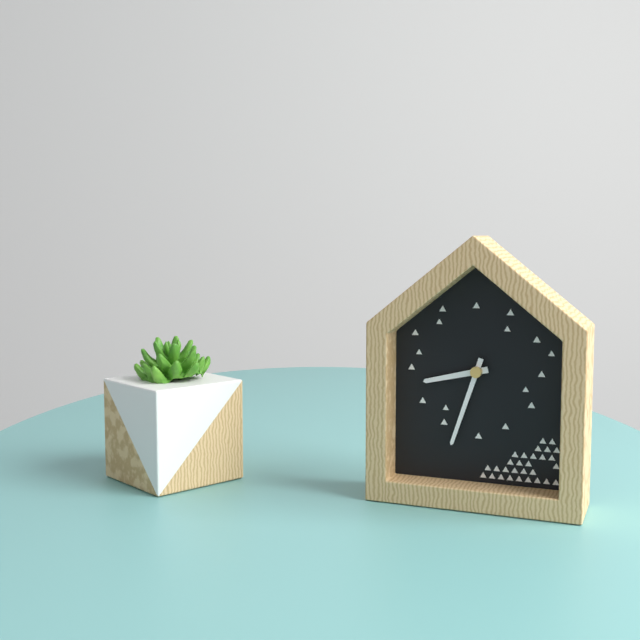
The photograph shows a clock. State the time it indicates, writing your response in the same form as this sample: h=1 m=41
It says h=8 m=33
